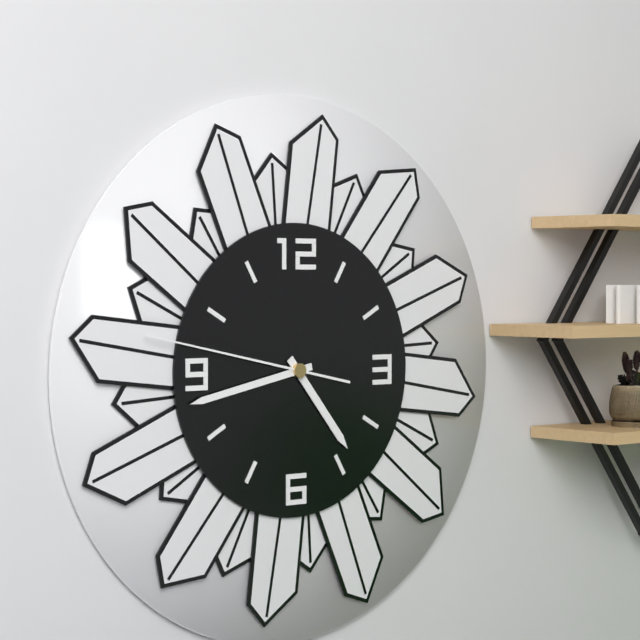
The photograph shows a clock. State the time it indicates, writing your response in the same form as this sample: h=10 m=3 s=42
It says h=4 m=43 s=47
